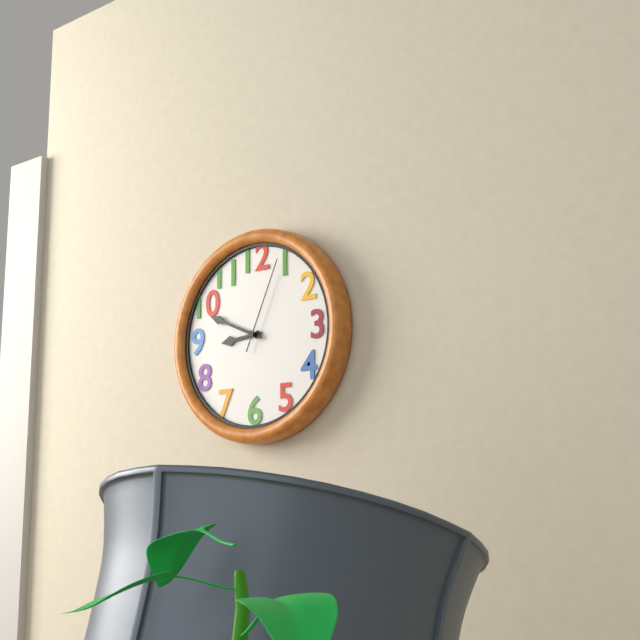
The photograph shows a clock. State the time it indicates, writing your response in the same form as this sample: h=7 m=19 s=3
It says h=8 m=49 s=4
